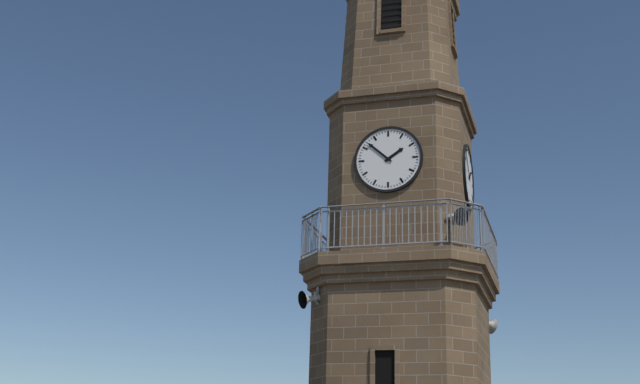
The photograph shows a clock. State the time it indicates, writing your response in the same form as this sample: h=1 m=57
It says h=1 m=52
